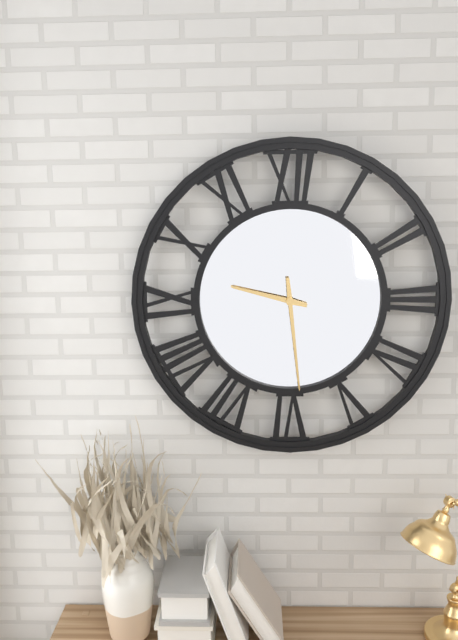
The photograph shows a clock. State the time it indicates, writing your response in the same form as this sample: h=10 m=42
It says h=9 m=29
